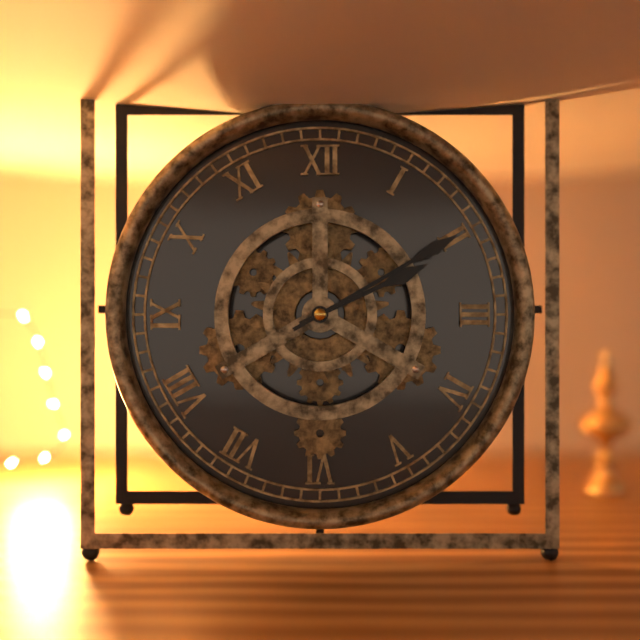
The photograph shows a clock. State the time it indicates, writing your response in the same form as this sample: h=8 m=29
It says h=2 m=10
